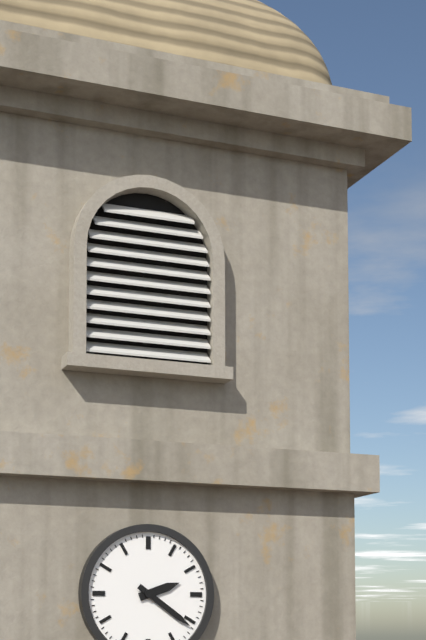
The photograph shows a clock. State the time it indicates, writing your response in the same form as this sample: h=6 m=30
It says h=2 m=21
